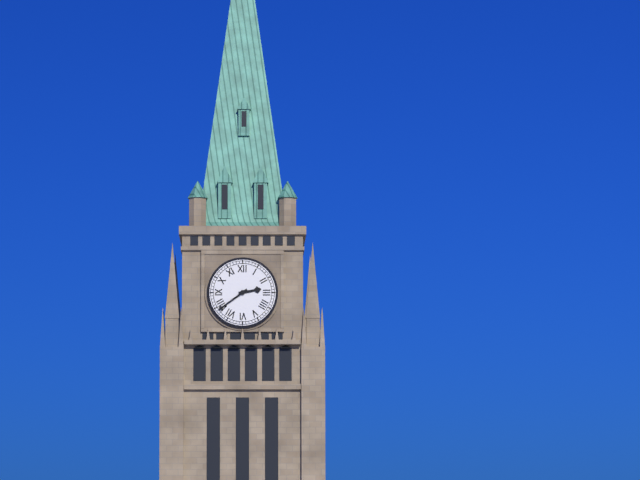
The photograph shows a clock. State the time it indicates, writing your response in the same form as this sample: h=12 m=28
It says h=2 m=39
